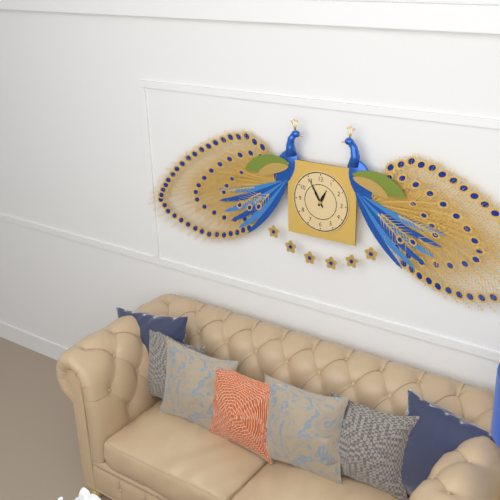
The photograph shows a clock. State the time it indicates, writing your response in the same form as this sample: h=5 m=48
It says h=12 m=55
